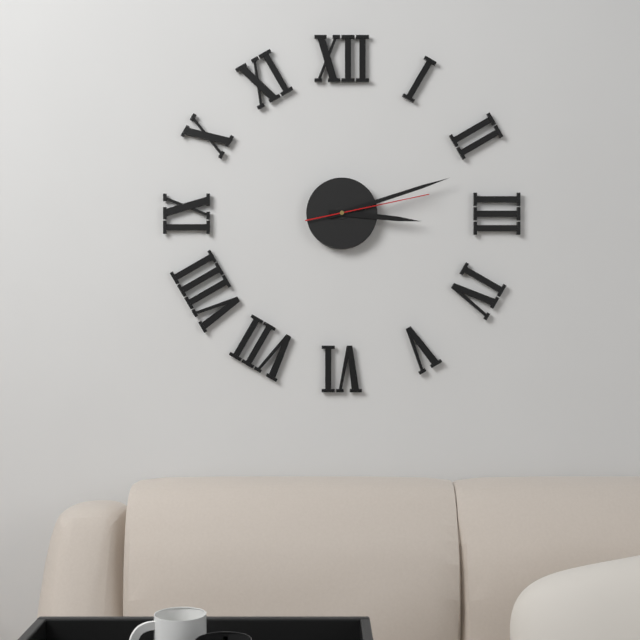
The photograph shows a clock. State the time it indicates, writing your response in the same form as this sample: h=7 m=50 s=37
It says h=3 m=12 s=13
